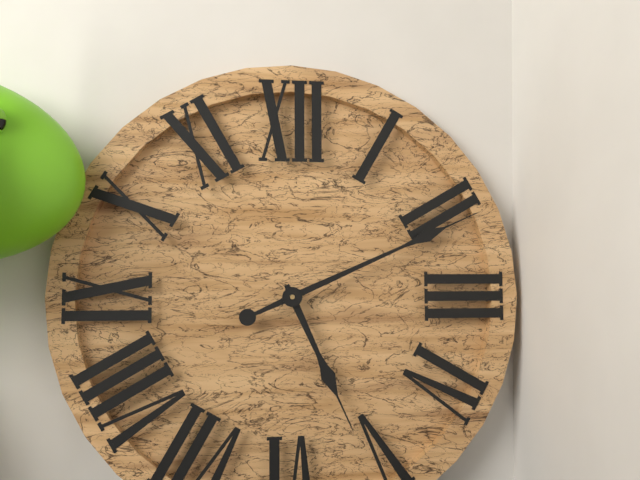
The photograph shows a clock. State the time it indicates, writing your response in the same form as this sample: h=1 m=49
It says h=5 m=11
